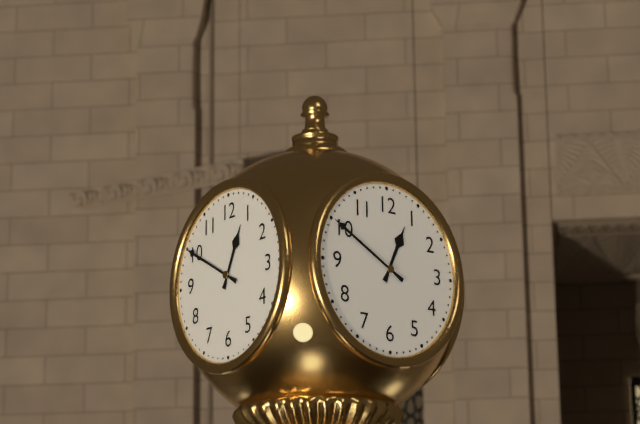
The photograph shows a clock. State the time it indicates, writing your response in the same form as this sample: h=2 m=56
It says h=12 m=50
